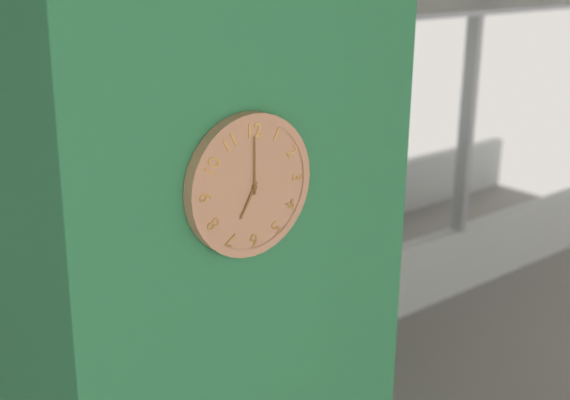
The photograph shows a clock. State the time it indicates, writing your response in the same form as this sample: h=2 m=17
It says h=7 m=0
